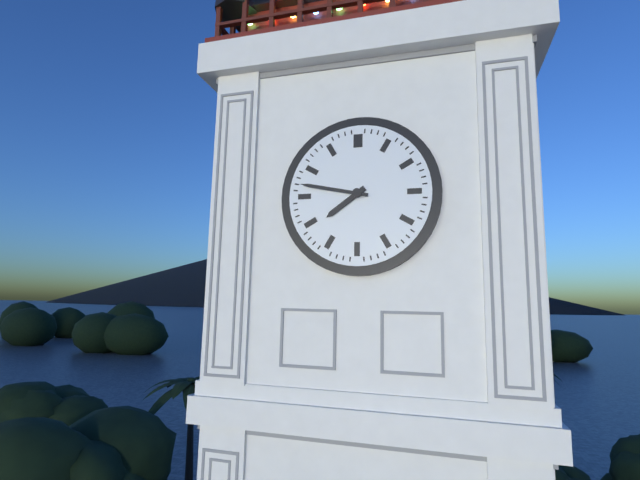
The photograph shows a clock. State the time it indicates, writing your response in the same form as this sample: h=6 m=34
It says h=7 m=47
